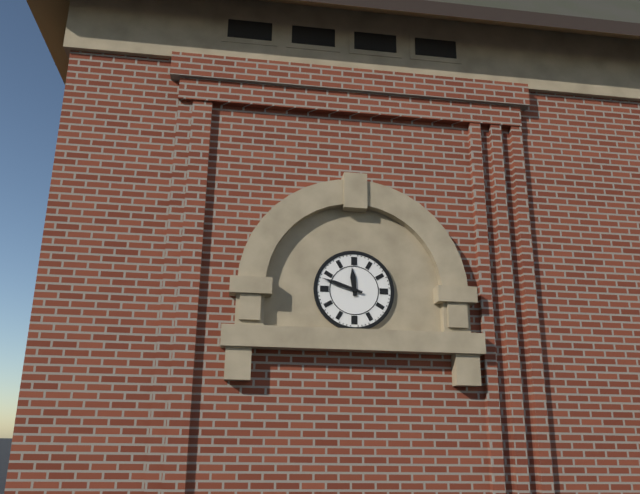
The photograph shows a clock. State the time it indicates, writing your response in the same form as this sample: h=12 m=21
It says h=11 m=48
